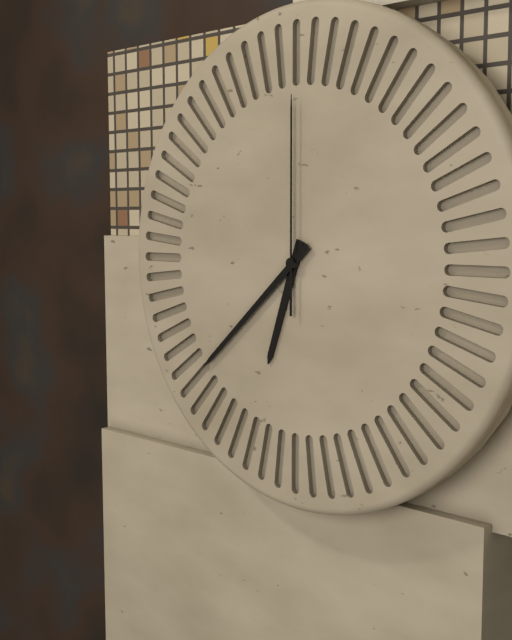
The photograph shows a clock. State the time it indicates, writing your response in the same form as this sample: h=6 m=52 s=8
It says h=6 m=38 s=0
